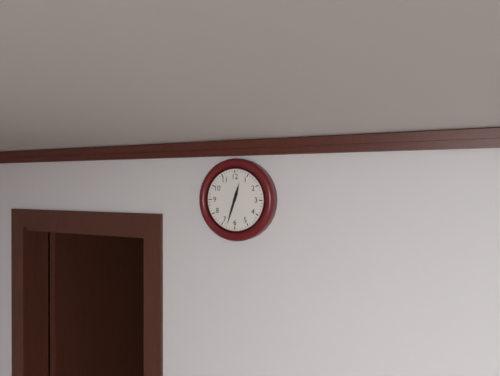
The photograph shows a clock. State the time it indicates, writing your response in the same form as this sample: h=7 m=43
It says h=12 m=33
